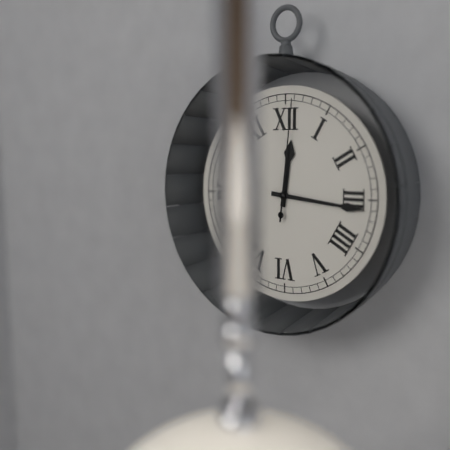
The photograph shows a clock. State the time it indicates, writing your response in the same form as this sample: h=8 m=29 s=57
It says h=12 m=16 s=1
